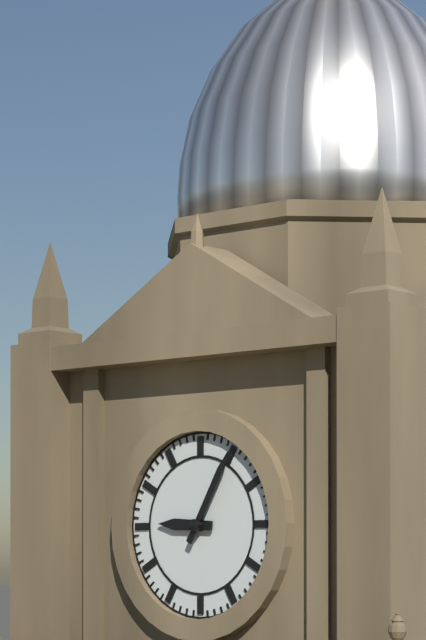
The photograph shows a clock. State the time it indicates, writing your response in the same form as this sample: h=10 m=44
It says h=9 m=5
